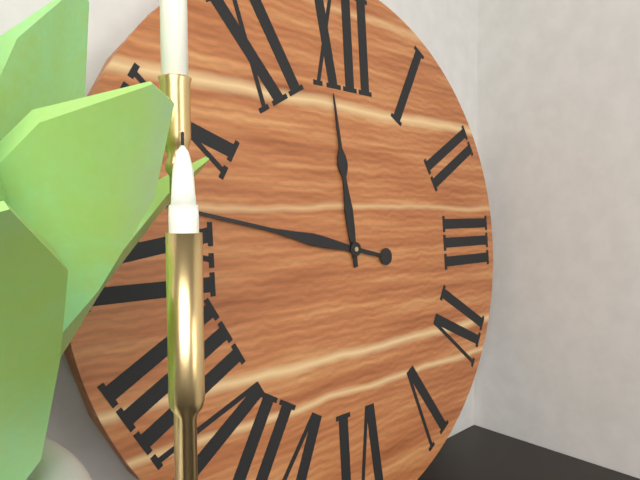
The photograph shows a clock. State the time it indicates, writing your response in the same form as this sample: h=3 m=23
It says h=11 m=47
